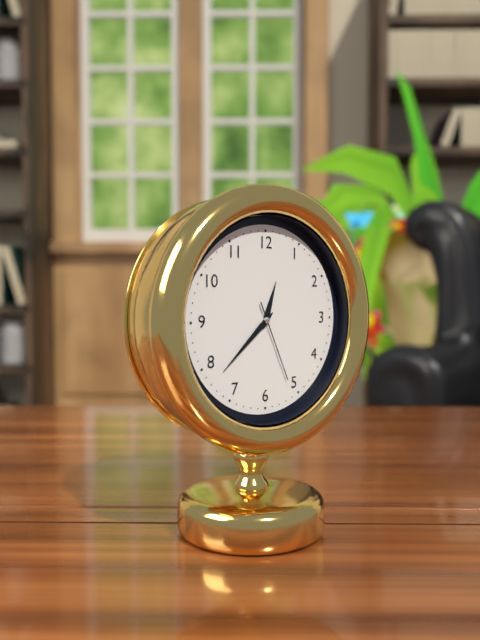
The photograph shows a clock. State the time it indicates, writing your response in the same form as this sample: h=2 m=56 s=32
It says h=12 m=38 s=26
